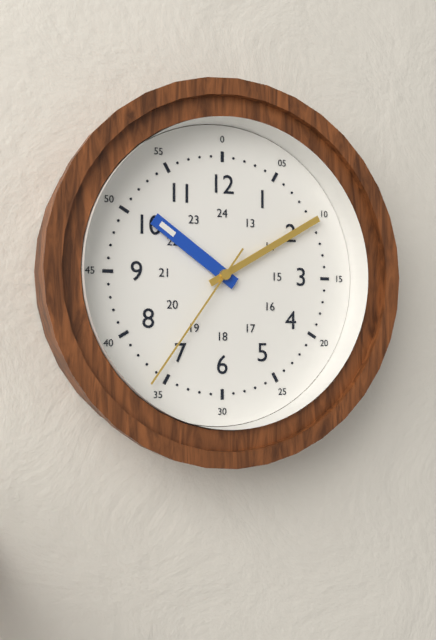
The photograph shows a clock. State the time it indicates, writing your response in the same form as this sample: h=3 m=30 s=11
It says h=10 m=10 s=36
